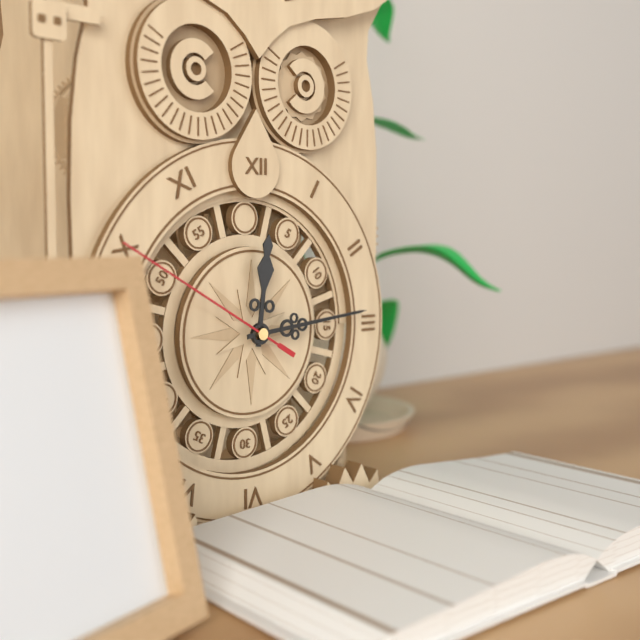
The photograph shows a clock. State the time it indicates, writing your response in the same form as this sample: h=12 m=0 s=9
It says h=12 m=14 s=50
